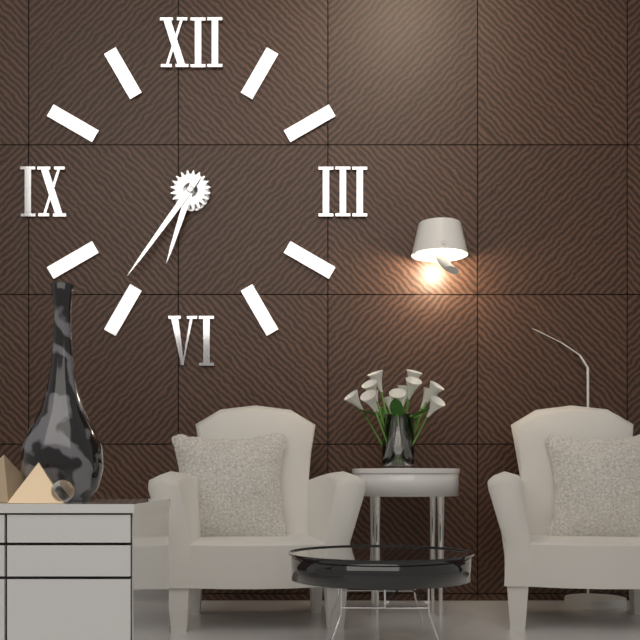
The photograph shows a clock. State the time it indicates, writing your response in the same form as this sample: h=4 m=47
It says h=6 m=36
